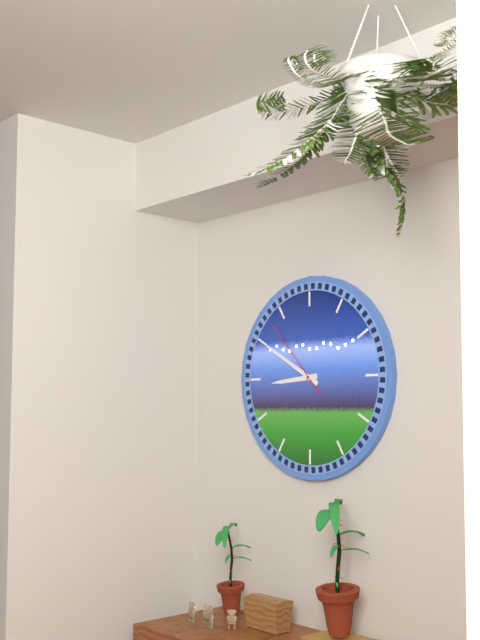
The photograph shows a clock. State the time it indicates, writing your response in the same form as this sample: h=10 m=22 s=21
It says h=8 m=50 s=53
